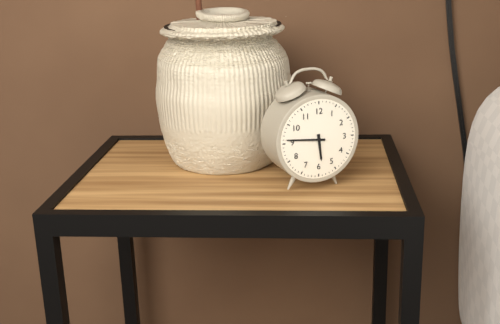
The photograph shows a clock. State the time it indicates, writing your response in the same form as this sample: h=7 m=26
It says h=5 m=46
